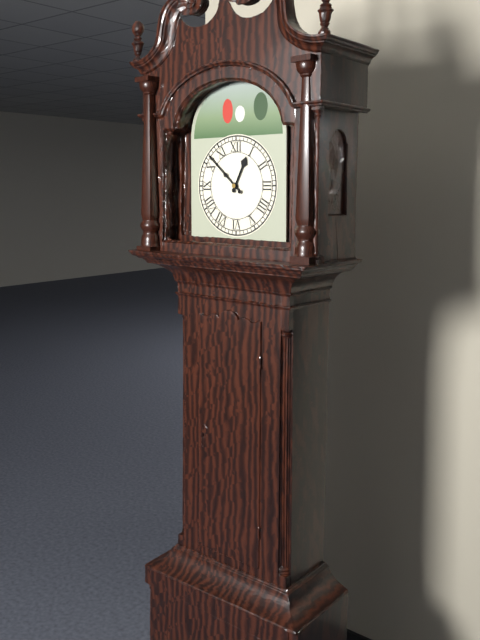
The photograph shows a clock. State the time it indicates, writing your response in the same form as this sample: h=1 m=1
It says h=12 m=52
